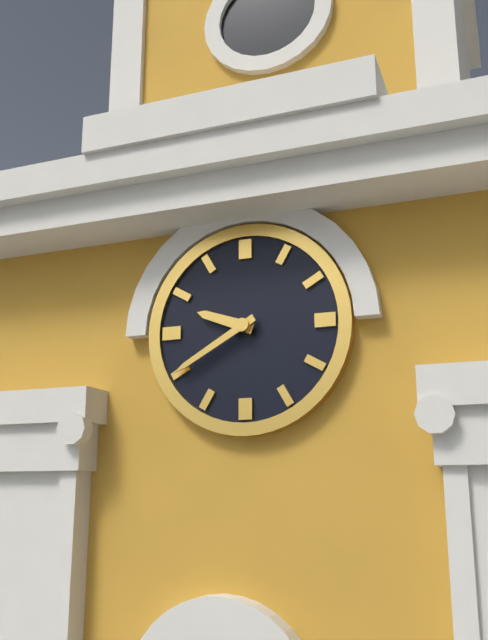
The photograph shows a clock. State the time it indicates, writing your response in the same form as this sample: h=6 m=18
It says h=9 m=40
